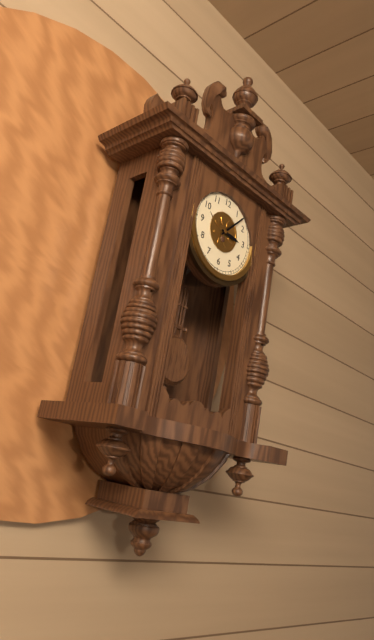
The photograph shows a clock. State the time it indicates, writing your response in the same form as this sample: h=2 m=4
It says h=3 m=7
